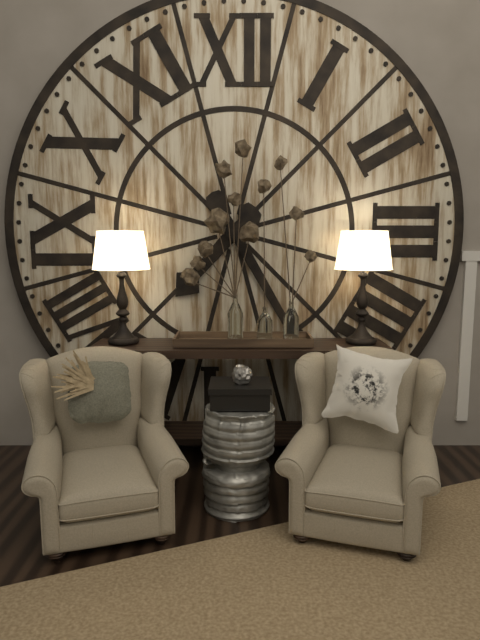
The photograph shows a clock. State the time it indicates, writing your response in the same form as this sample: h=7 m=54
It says h=7 m=25
